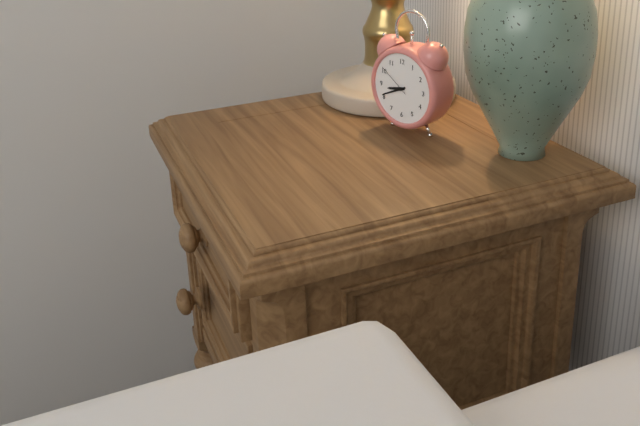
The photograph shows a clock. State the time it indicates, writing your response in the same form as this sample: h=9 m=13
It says h=8 m=41
